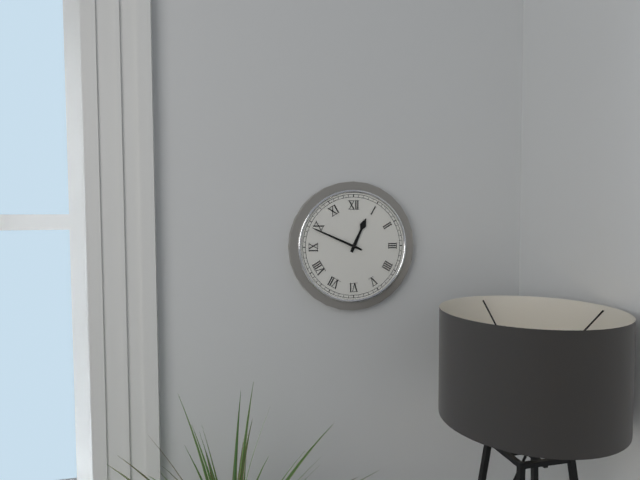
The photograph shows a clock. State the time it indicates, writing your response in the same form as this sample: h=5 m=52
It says h=12 m=49
